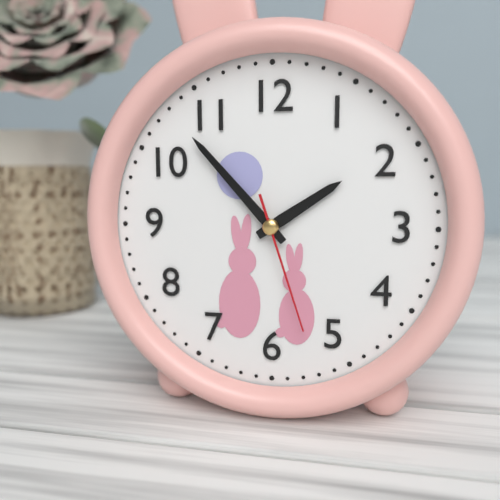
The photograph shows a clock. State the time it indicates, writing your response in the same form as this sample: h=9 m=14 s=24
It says h=1 m=53 s=27
